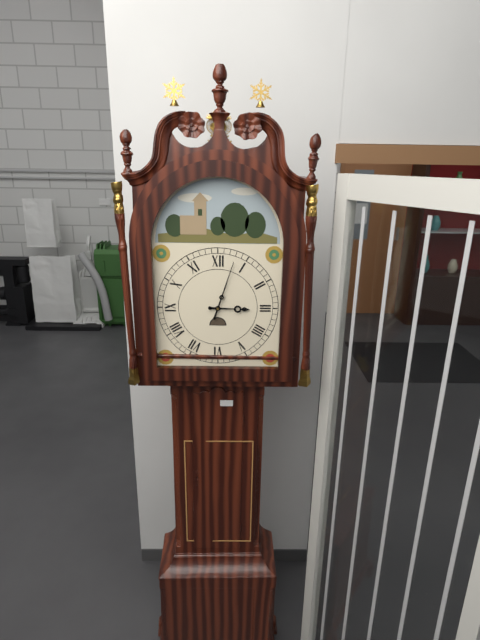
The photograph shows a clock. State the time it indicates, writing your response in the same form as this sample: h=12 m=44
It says h=3 m=3
